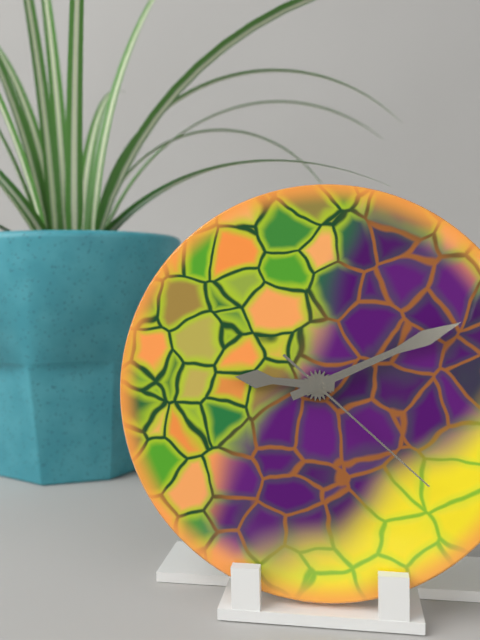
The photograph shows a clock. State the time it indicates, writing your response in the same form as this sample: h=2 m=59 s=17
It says h=9 m=11 s=22
